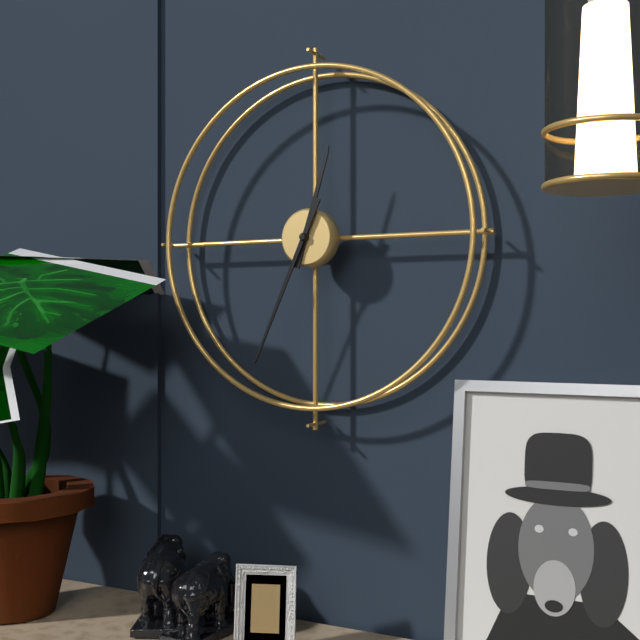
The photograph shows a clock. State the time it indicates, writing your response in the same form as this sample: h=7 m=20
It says h=12 m=34
